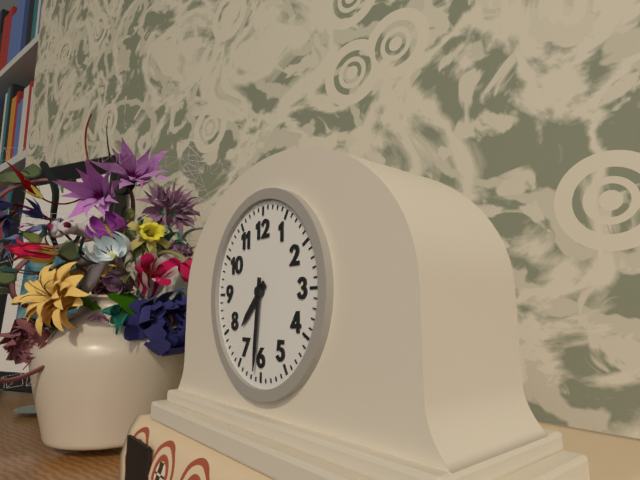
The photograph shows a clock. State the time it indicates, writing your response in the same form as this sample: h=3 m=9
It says h=7 m=31
